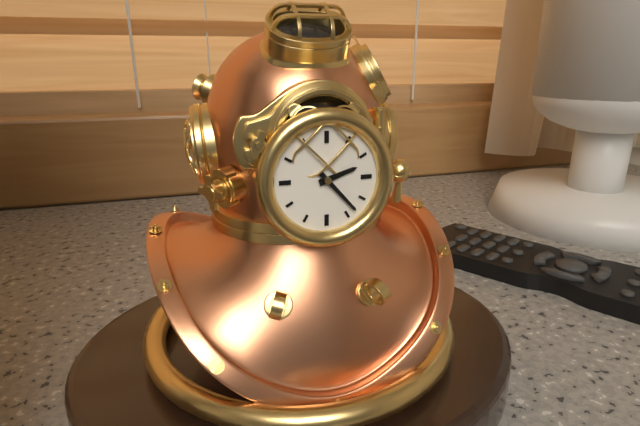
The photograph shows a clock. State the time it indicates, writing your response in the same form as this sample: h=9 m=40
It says h=2 m=23
